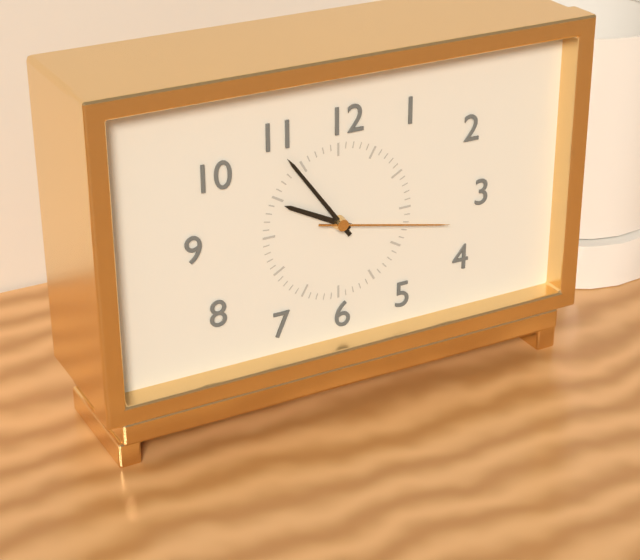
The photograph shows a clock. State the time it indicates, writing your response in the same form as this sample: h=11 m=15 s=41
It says h=9 m=54 s=17
